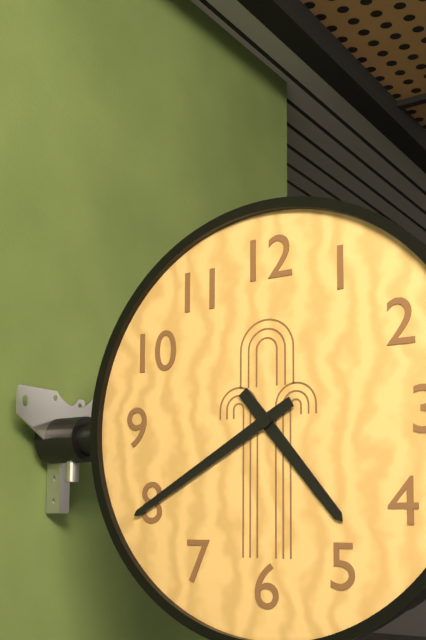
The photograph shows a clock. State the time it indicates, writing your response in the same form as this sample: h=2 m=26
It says h=4 m=40
